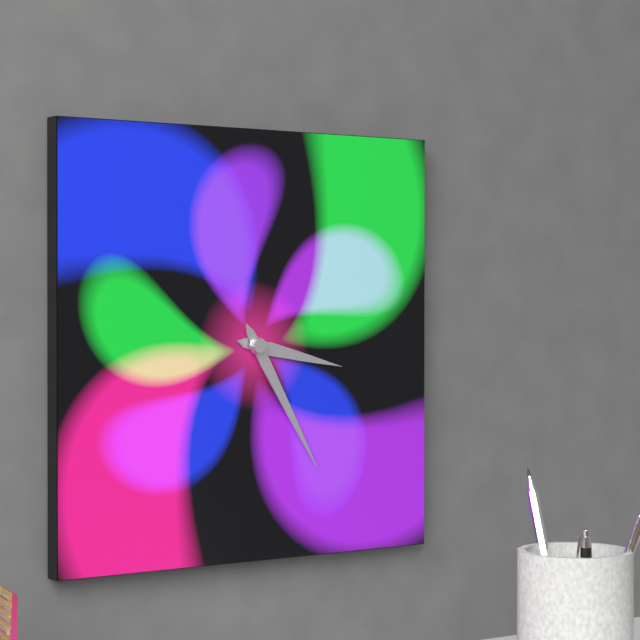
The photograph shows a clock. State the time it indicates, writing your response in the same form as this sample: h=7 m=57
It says h=3 m=25
